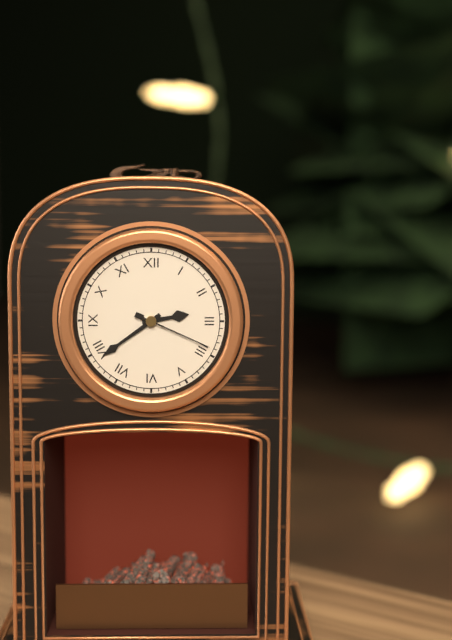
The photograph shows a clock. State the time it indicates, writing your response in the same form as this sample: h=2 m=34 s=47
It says h=2 m=39 s=19
